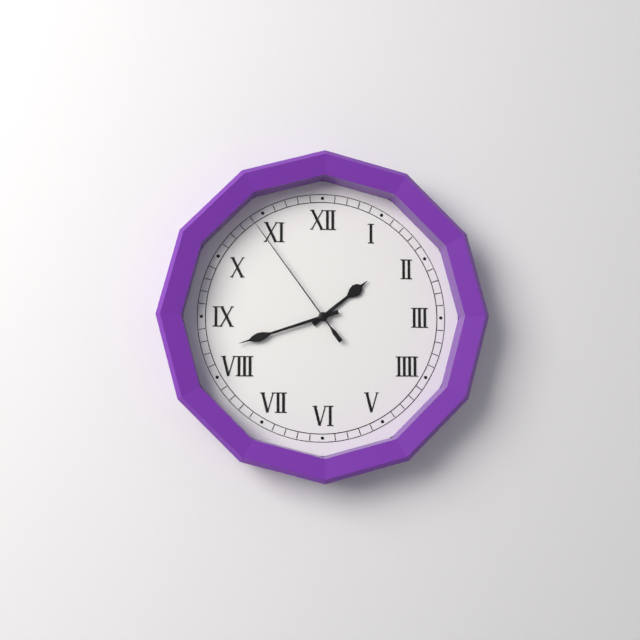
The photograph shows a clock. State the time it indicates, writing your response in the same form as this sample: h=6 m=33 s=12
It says h=1 m=42 s=54
